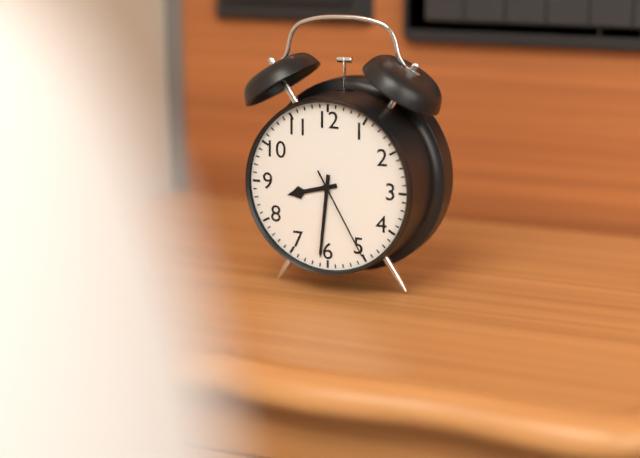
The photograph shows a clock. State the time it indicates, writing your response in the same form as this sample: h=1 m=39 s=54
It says h=8 m=31 s=25
